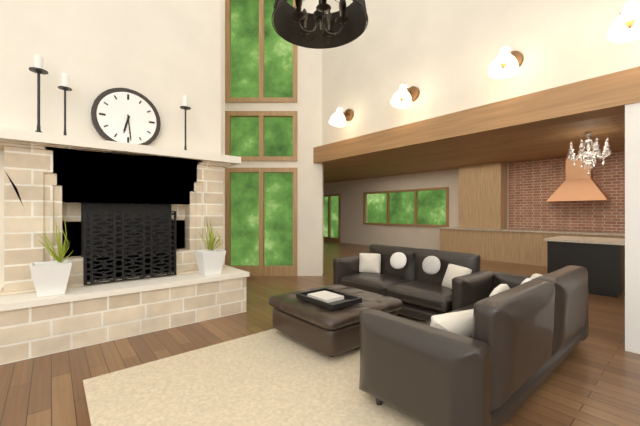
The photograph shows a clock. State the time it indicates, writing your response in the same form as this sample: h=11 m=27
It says h=6 m=29
